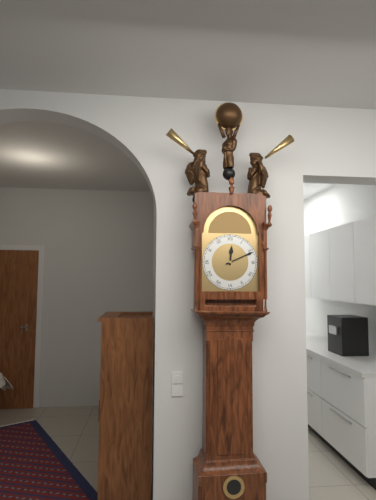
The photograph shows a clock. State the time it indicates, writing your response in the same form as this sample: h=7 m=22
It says h=12 m=11
